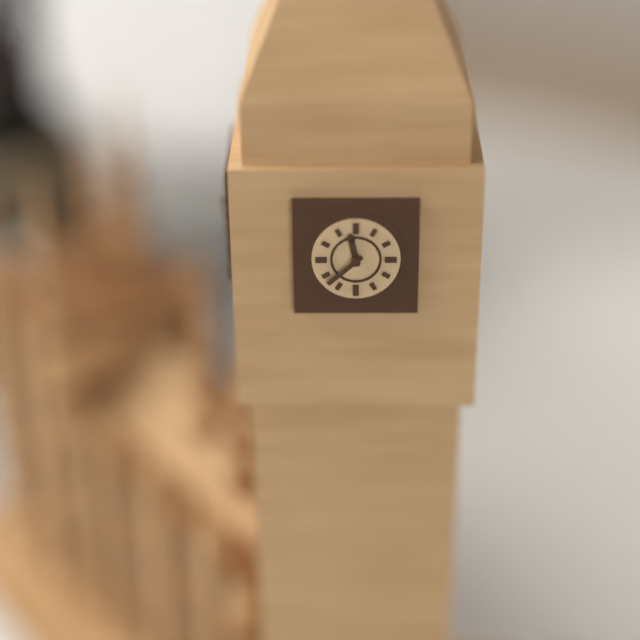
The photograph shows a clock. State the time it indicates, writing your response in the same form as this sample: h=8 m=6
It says h=11 m=38
